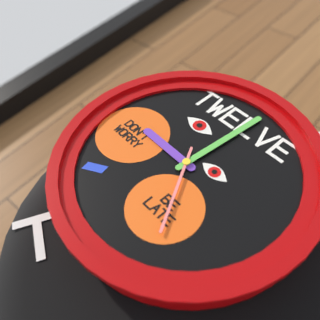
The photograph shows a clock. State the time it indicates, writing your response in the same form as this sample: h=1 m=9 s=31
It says h=9 m=1 s=25
